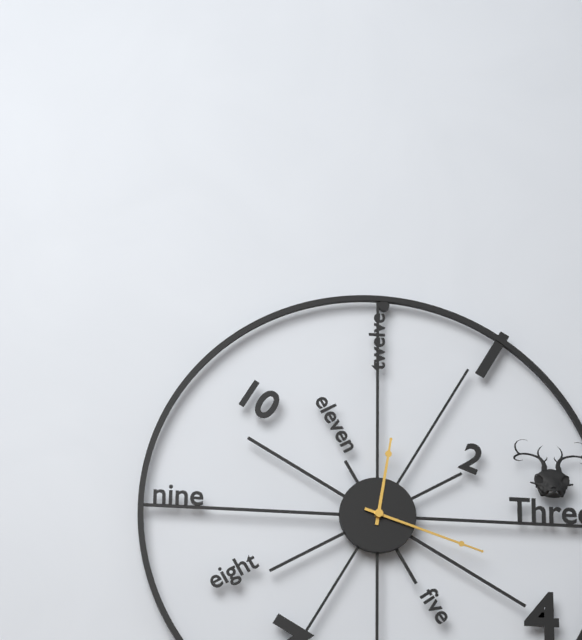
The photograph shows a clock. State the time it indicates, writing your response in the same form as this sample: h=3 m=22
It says h=12 m=18
